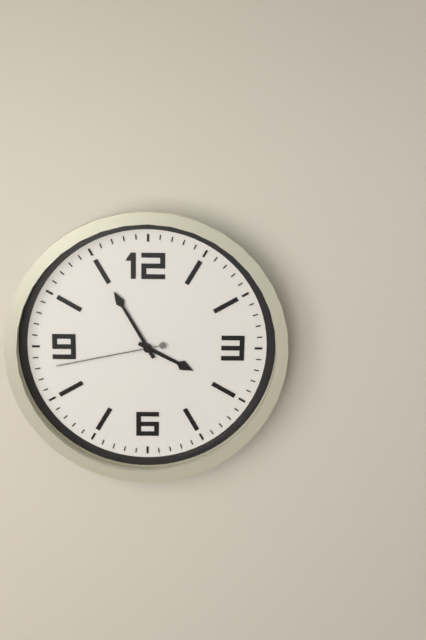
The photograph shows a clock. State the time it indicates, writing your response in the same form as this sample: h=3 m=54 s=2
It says h=3 m=55 s=43
